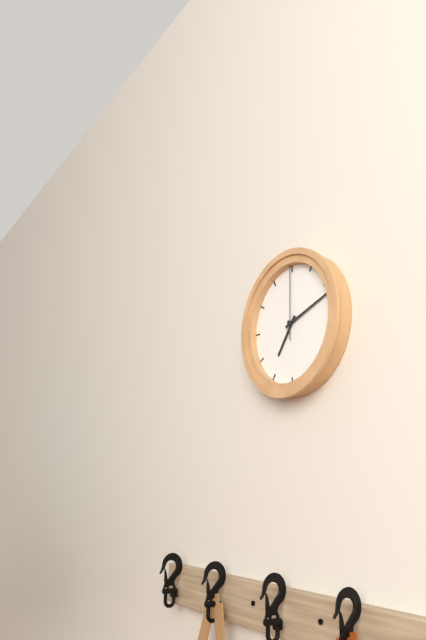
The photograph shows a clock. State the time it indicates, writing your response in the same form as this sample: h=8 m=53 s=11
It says h=7 m=12 s=0
